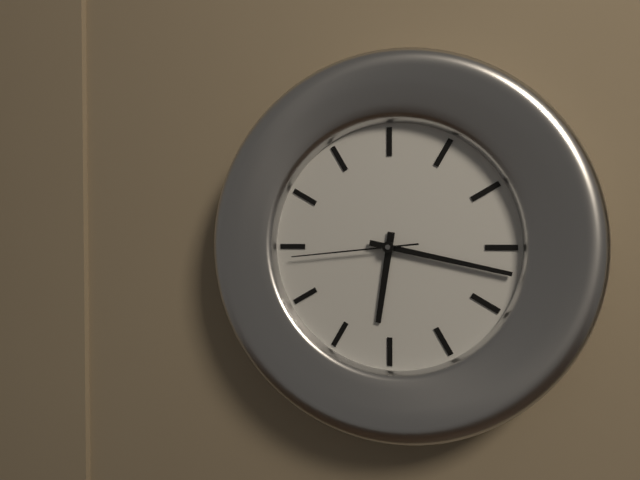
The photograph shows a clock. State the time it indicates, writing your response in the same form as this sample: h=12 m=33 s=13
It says h=6 m=17 s=44
